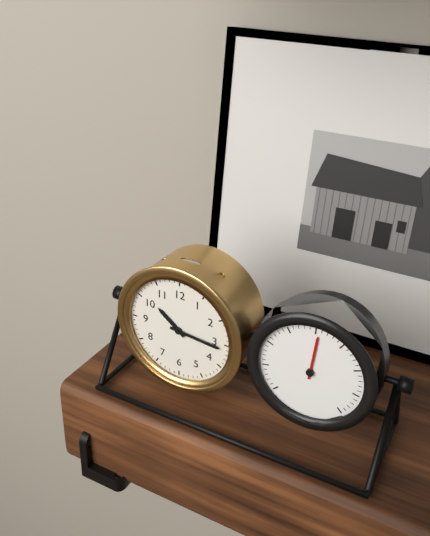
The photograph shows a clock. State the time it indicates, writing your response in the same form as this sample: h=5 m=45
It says h=10 m=16
